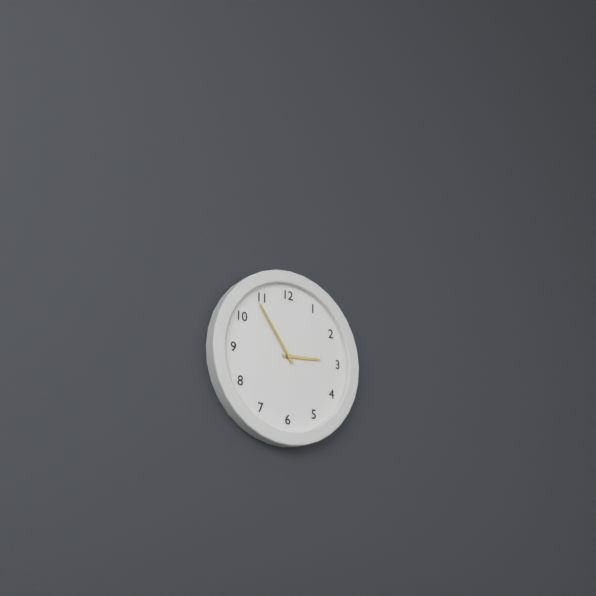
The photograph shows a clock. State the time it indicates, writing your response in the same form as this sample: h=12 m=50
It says h=2 m=54
